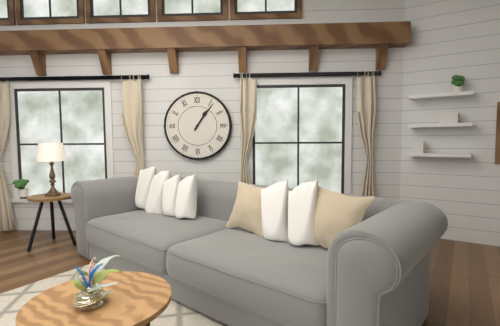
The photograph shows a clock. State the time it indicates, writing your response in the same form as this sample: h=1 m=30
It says h=1 m=6
